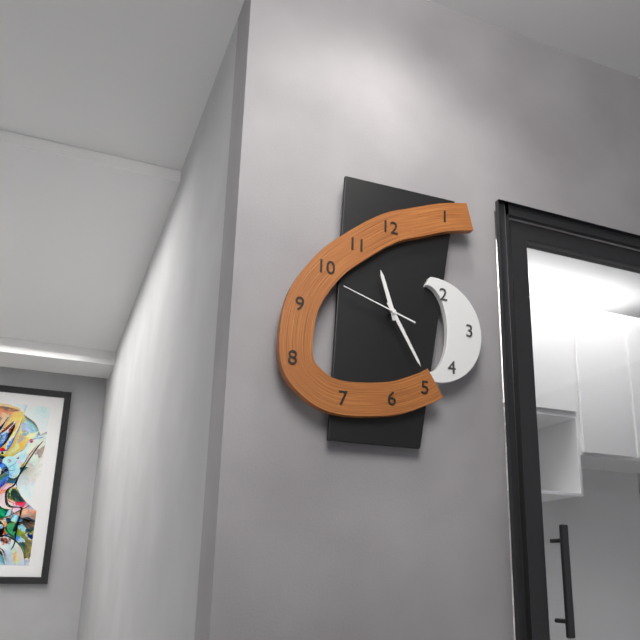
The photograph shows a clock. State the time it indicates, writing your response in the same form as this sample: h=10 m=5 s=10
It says h=11 m=25 s=48
